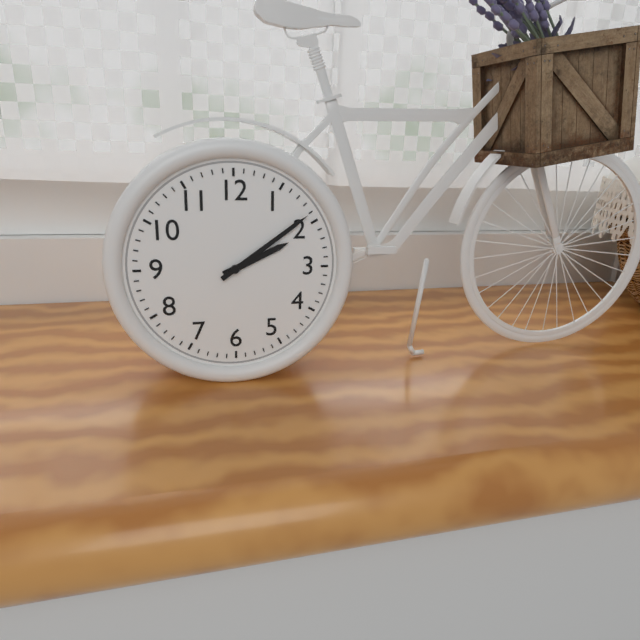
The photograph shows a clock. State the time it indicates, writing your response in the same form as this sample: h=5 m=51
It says h=2 m=9
